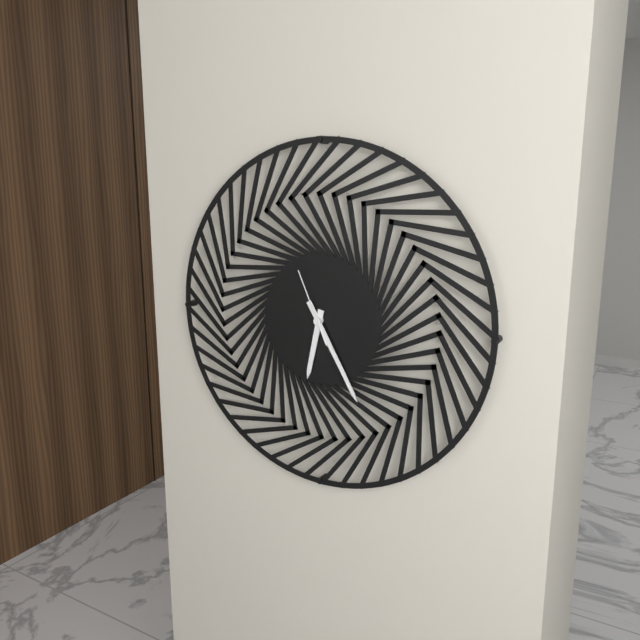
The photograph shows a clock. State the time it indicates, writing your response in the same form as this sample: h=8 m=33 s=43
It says h=6 m=25 s=56
